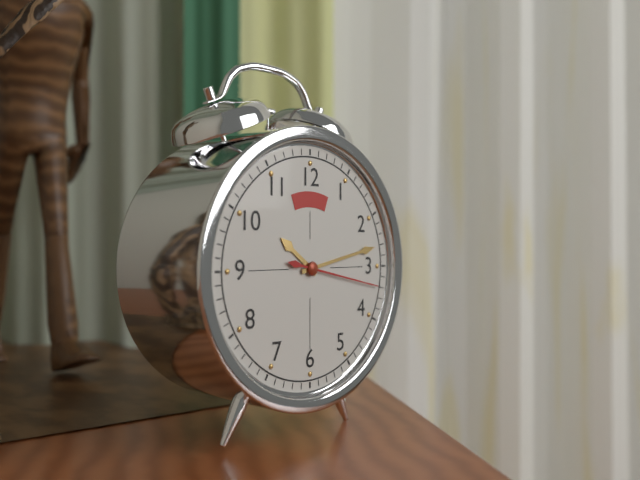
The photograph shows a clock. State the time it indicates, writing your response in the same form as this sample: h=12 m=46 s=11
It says h=10 m=13 s=17
